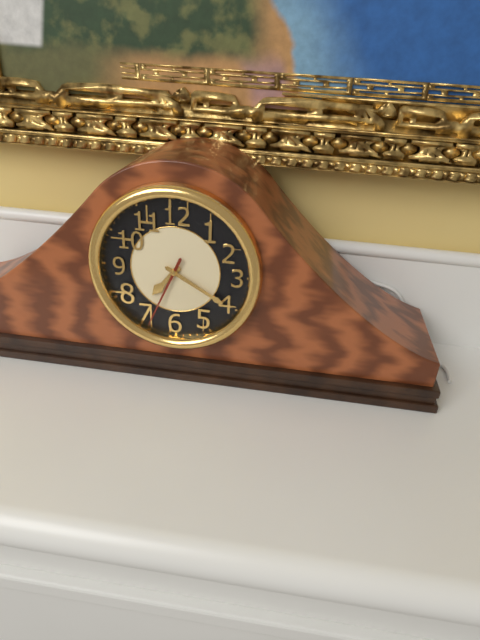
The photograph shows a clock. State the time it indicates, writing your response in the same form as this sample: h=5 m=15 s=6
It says h=7 m=20 s=34
